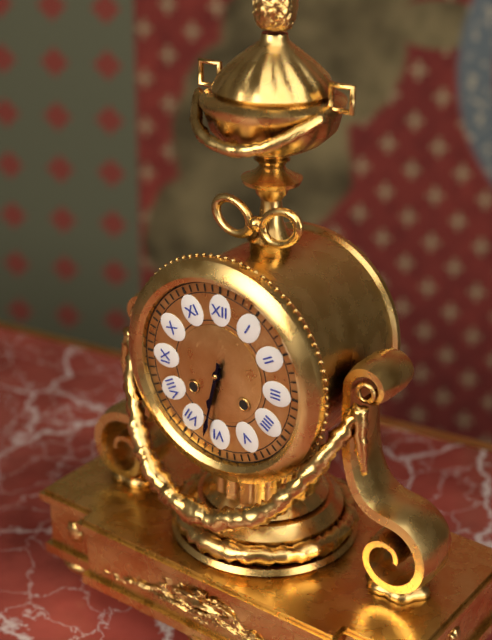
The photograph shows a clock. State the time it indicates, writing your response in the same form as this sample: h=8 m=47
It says h=6 m=32
